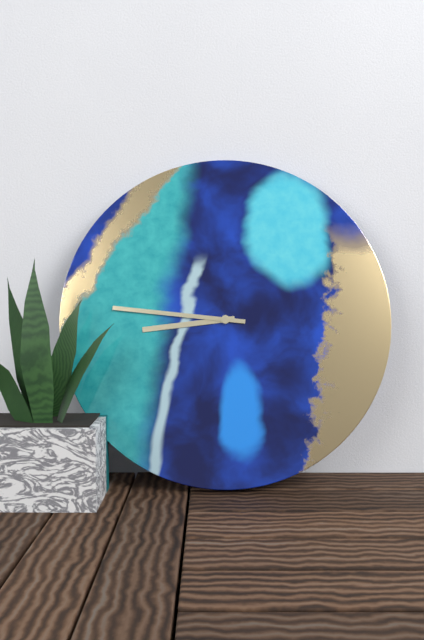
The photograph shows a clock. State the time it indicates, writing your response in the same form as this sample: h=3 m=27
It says h=8 m=46
